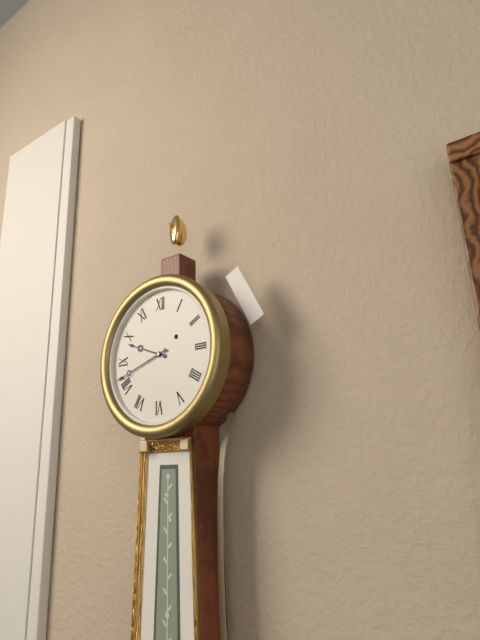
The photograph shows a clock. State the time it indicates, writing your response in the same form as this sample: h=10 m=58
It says h=9 m=42
